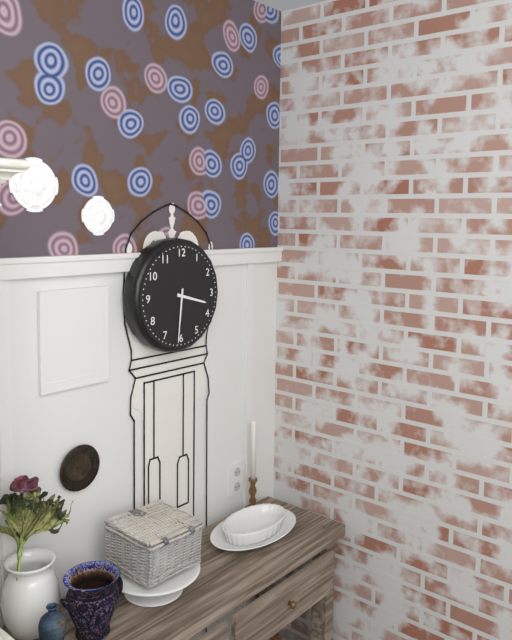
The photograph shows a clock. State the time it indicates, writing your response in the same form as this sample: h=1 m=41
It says h=3 m=31
